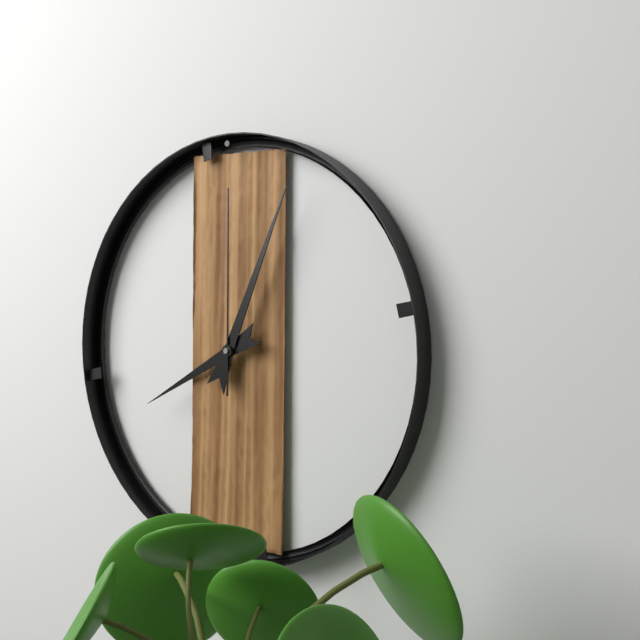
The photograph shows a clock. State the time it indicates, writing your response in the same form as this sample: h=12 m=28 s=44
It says h=8 m=4 s=0
